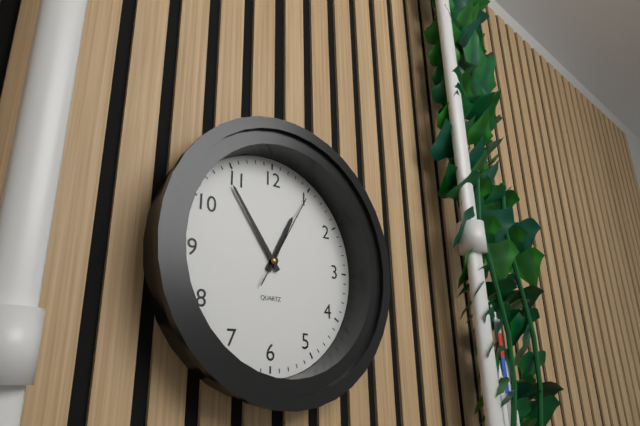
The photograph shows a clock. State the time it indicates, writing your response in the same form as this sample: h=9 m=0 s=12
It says h=12 m=54 s=5
